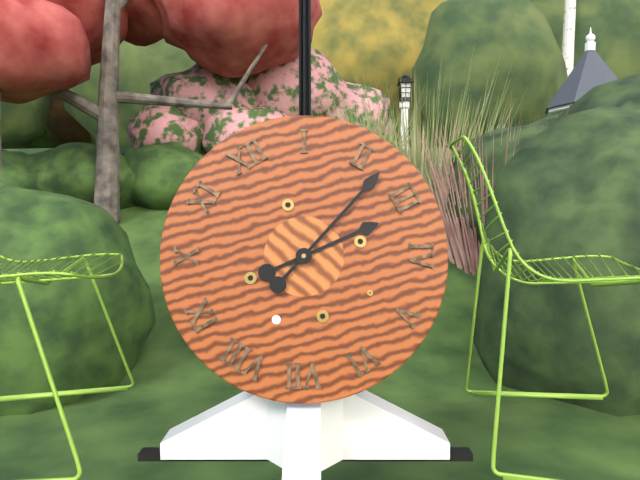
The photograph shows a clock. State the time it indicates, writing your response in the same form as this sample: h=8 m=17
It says h=3 m=12
